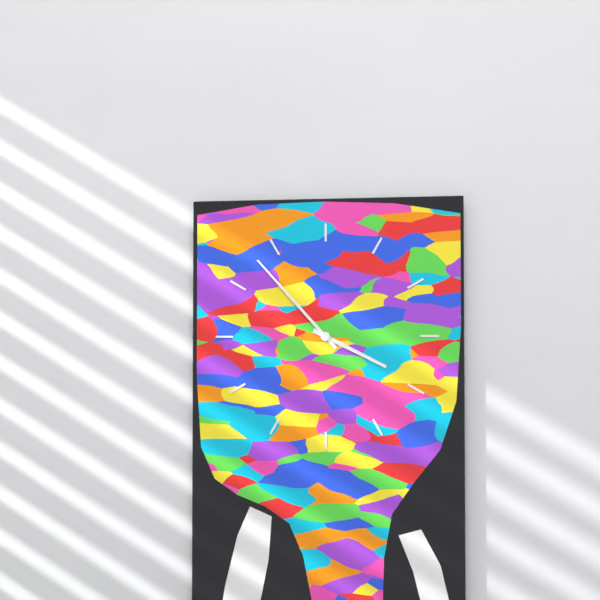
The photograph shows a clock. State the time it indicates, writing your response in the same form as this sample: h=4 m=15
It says h=3 m=53
